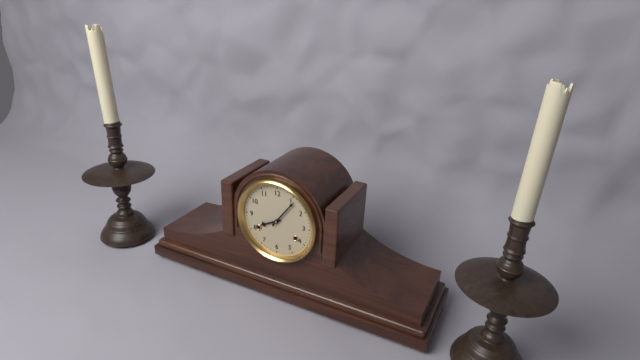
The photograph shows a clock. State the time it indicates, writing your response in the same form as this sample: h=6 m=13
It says h=8 m=6
